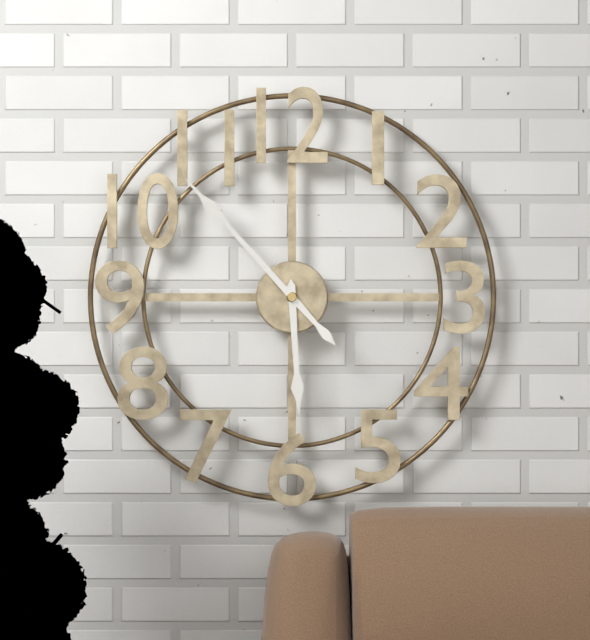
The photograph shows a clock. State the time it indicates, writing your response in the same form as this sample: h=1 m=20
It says h=5 m=53
